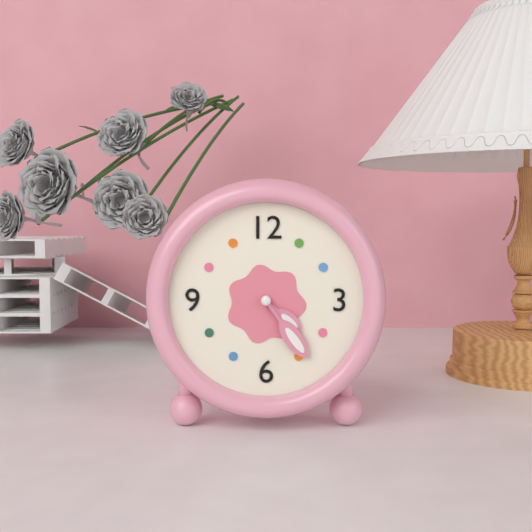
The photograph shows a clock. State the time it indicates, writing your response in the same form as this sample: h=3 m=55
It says h=4 m=24
